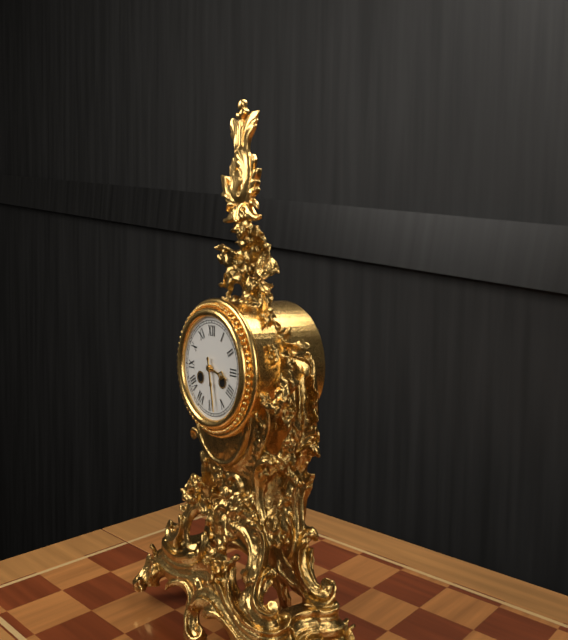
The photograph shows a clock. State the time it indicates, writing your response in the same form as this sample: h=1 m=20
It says h=3 m=28
